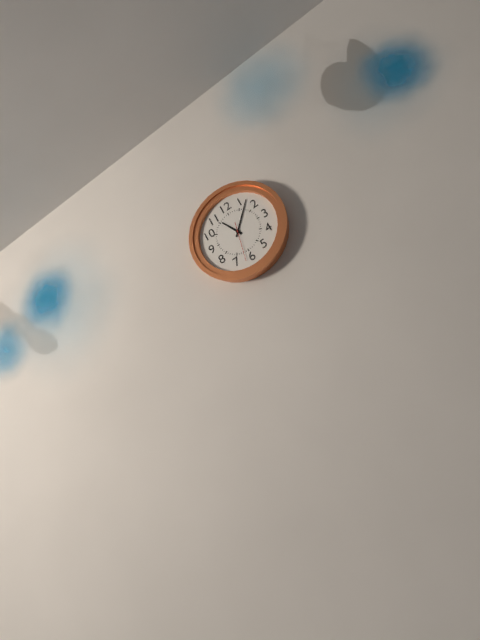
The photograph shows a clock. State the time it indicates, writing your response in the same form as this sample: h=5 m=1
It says h=11 m=7
